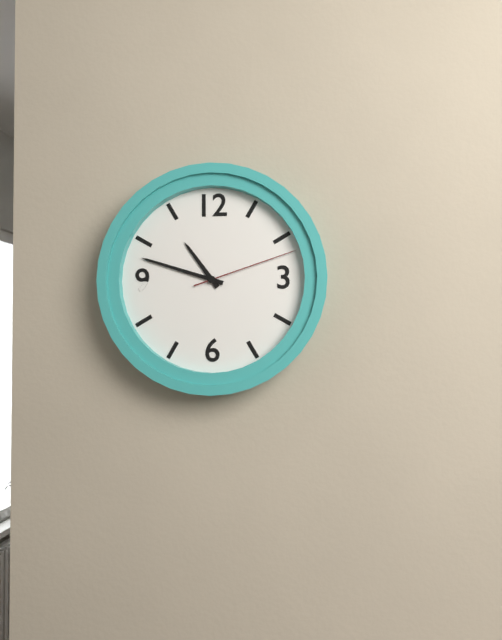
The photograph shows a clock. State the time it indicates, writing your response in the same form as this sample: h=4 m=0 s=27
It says h=10 m=48 s=12
